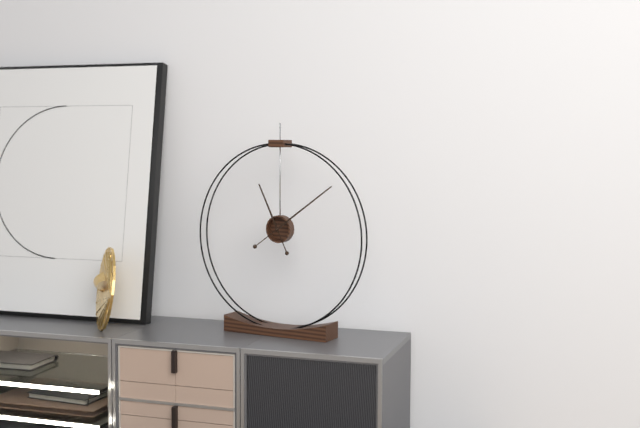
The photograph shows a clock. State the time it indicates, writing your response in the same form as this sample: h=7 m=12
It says h=11 m=9
